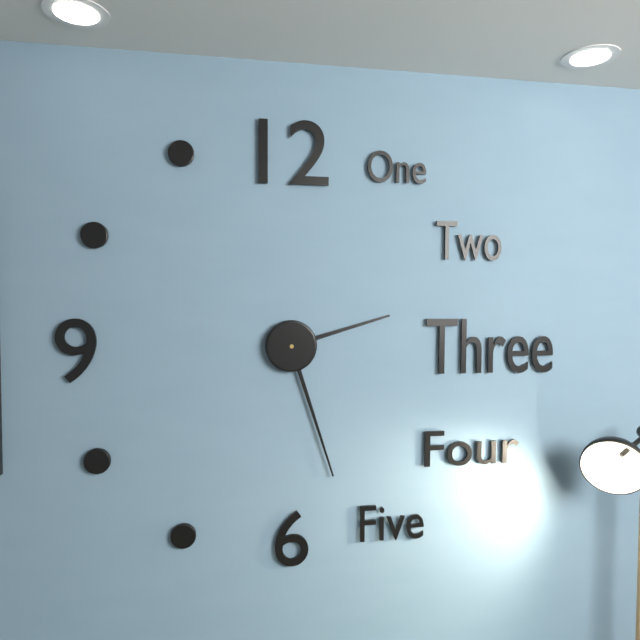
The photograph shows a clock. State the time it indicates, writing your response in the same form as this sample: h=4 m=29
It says h=2 m=27
